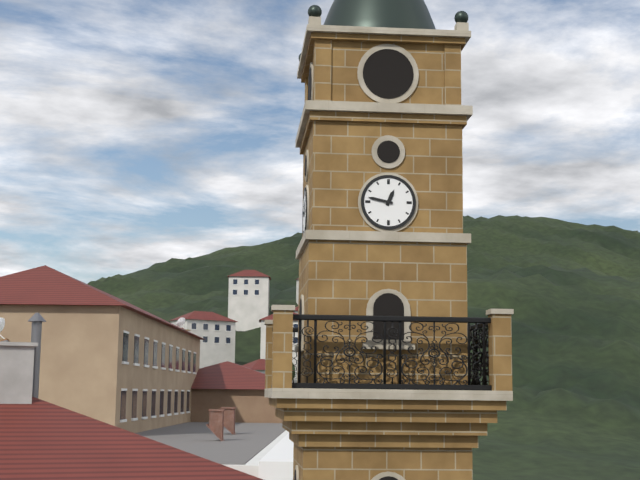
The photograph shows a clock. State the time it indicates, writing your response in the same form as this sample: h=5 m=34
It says h=12 m=47
